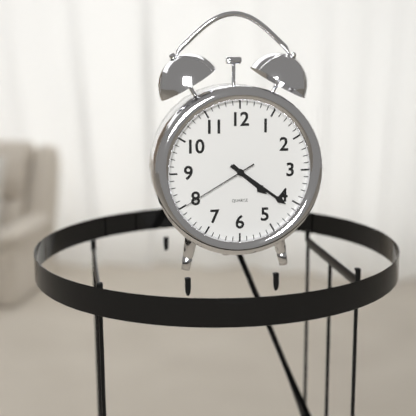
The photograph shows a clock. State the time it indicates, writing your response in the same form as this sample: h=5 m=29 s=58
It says h=4 m=21 s=40
